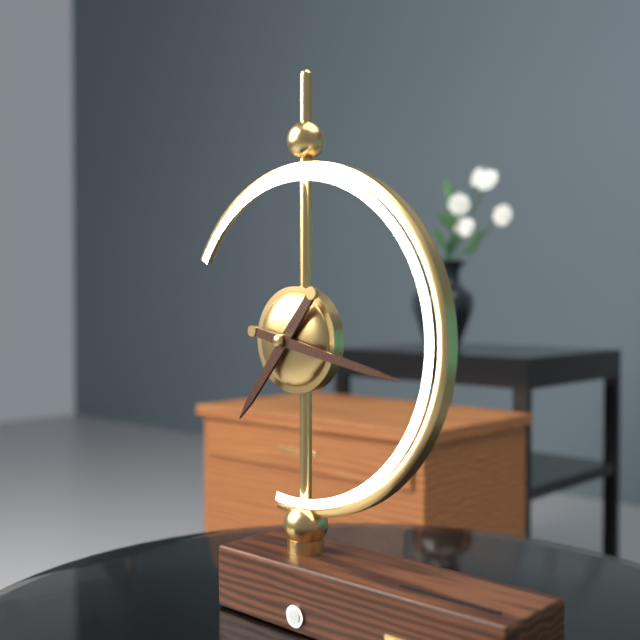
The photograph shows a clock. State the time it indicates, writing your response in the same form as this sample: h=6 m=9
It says h=7 m=17
